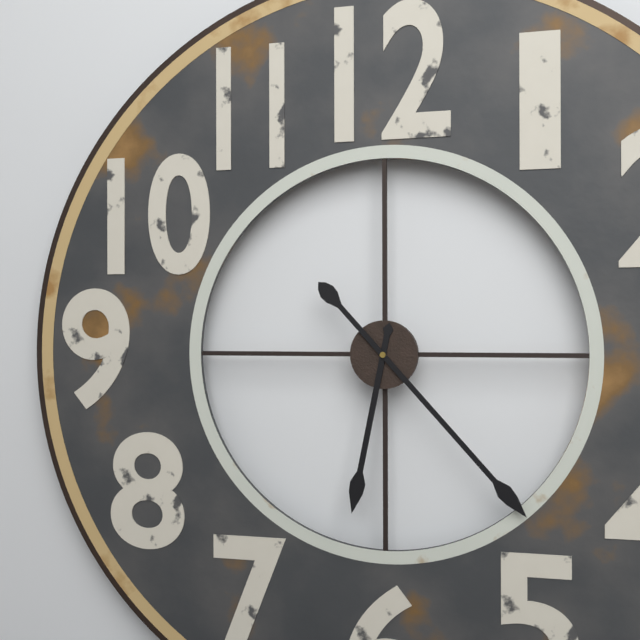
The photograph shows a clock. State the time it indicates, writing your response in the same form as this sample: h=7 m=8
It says h=6 m=23
